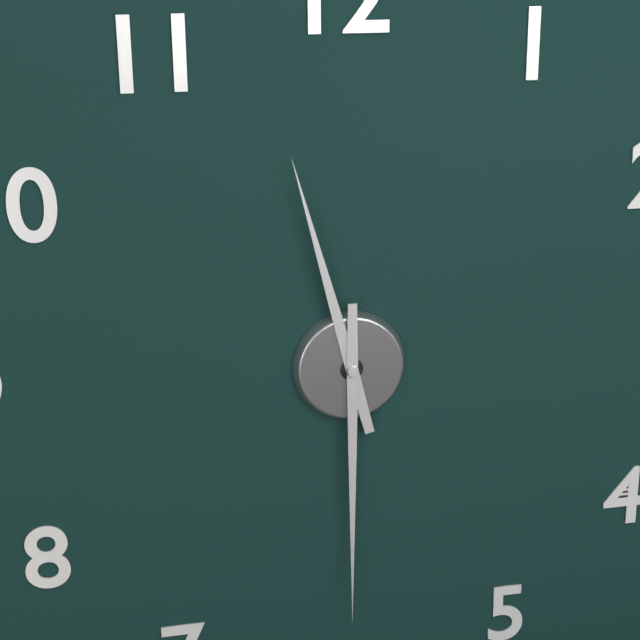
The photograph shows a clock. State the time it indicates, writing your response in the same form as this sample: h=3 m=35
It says h=11 m=30
